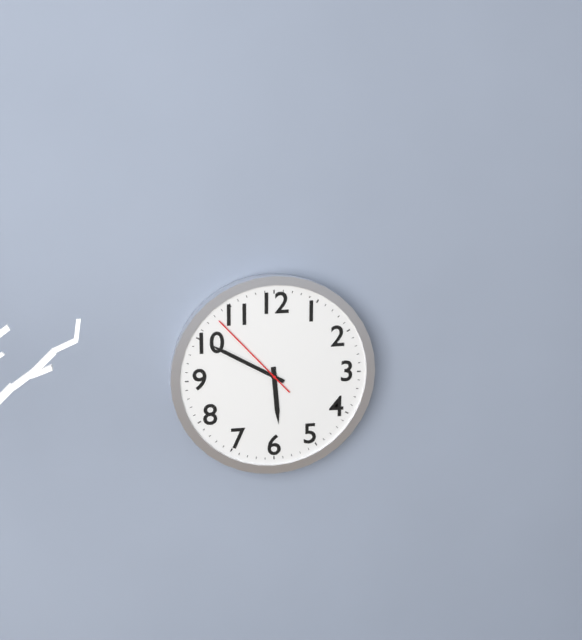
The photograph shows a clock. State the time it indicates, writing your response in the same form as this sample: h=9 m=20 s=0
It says h=5 m=50 s=53
